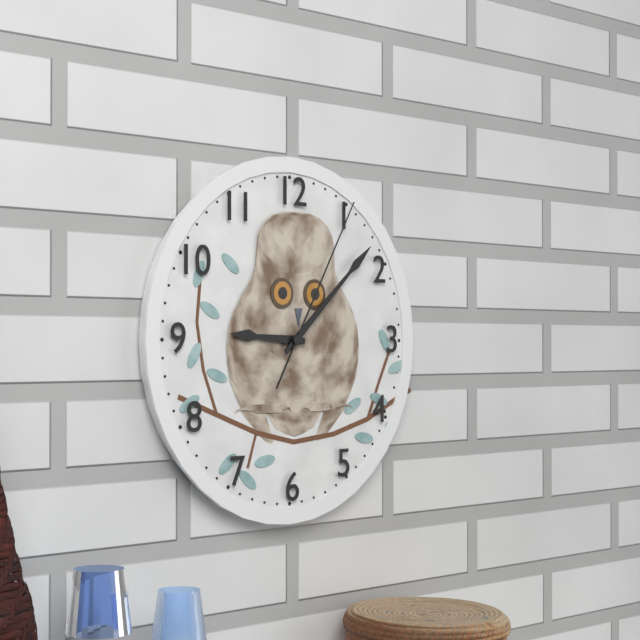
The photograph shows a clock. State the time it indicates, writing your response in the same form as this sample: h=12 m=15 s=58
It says h=9 m=8 s=5
